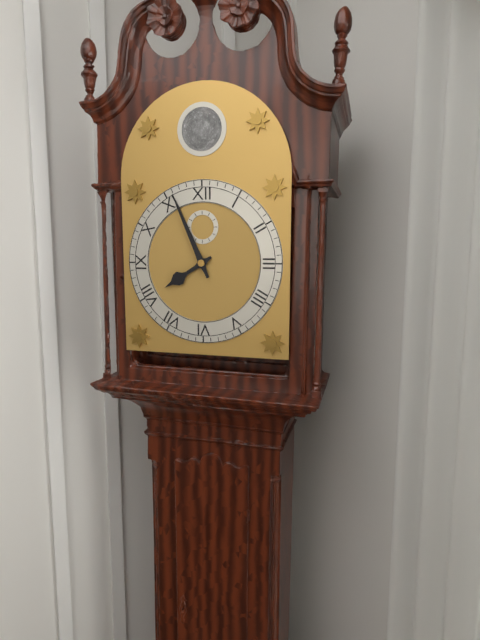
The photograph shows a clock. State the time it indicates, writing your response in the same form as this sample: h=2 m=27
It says h=7 m=56
